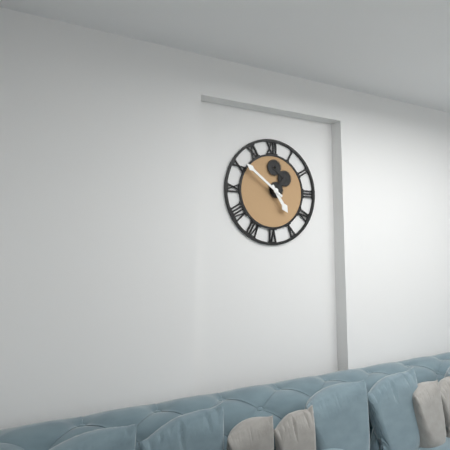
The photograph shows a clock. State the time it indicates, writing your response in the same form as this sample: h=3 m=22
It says h=4 m=51
